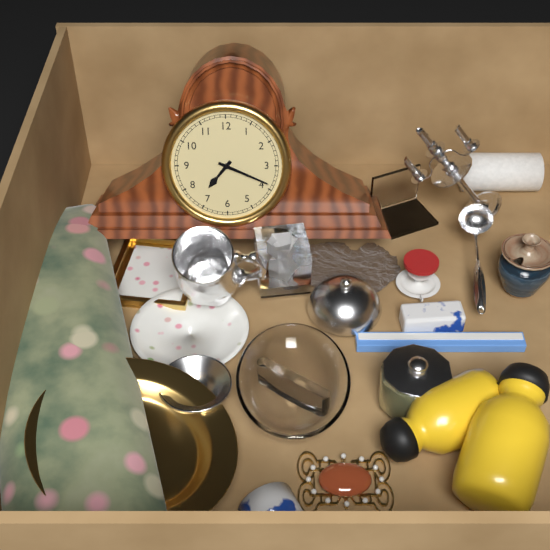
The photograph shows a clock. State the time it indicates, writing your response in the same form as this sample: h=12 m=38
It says h=7 m=19
